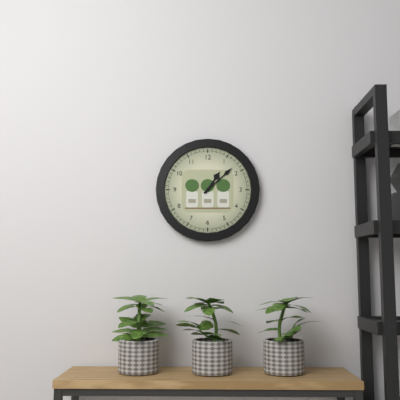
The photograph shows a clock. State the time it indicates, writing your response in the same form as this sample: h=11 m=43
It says h=1 m=8
